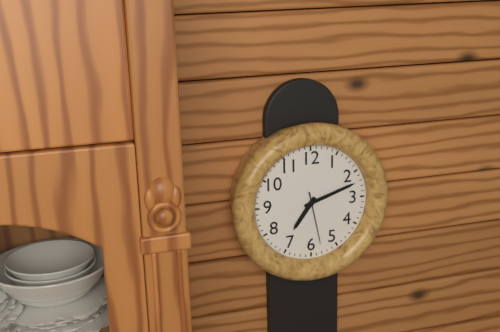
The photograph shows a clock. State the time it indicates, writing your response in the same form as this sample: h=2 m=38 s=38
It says h=7 m=12 s=28
